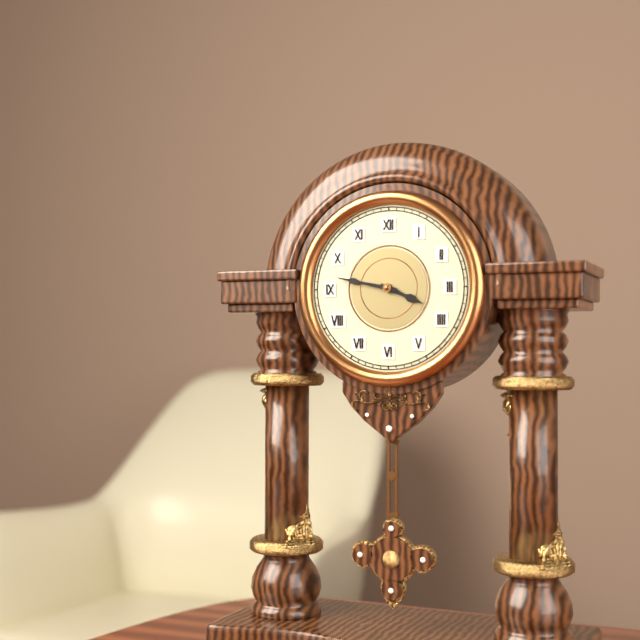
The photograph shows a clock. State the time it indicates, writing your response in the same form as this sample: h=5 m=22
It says h=3 m=47
